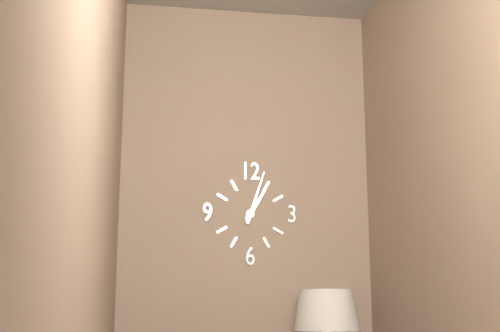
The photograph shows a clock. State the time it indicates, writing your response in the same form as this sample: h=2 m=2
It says h=1 m=3
